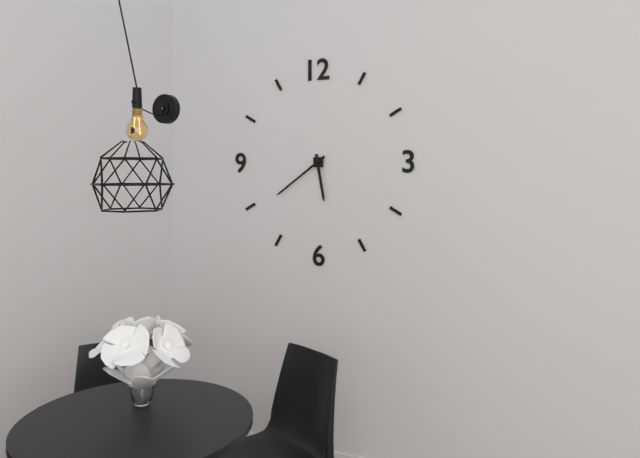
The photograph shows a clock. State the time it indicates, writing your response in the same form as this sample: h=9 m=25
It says h=5 m=39
